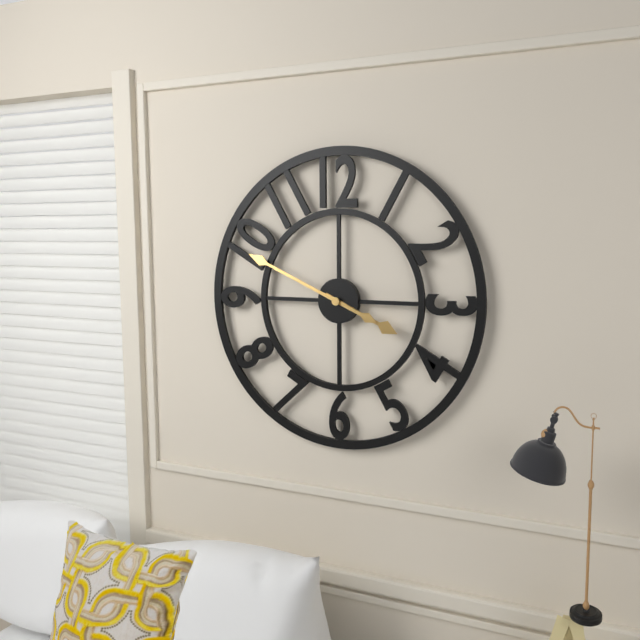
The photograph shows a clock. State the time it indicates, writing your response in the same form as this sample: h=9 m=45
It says h=3 m=49
